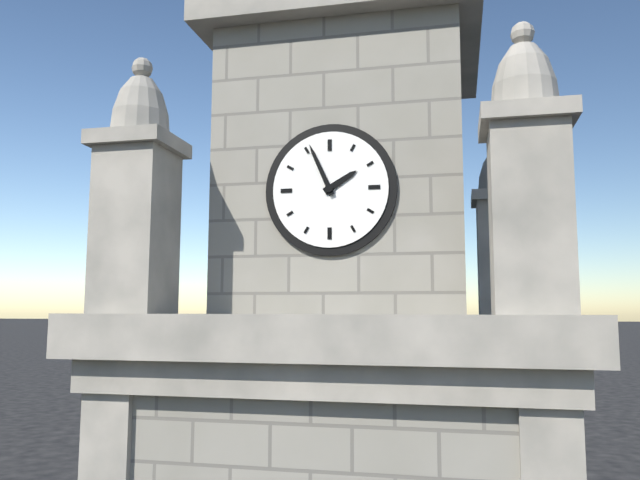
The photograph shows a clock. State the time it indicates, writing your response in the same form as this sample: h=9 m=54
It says h=1 m=56
